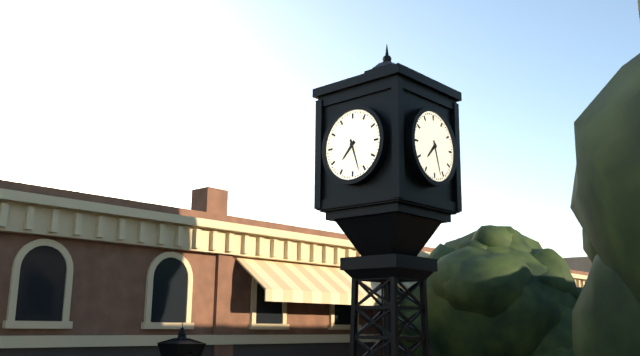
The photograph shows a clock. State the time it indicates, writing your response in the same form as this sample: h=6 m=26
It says h=7 m=27
